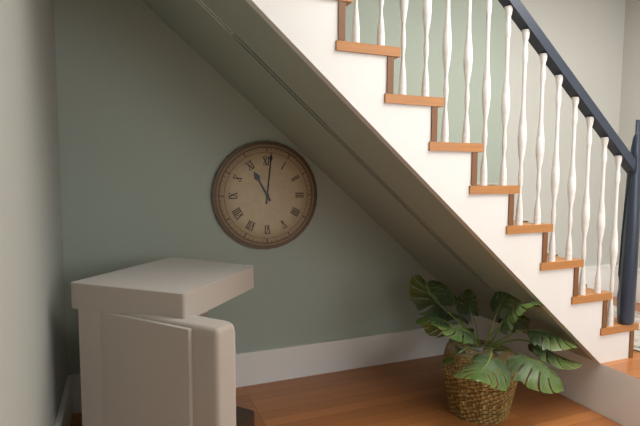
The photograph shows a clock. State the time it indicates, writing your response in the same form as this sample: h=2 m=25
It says h=11 m=1
